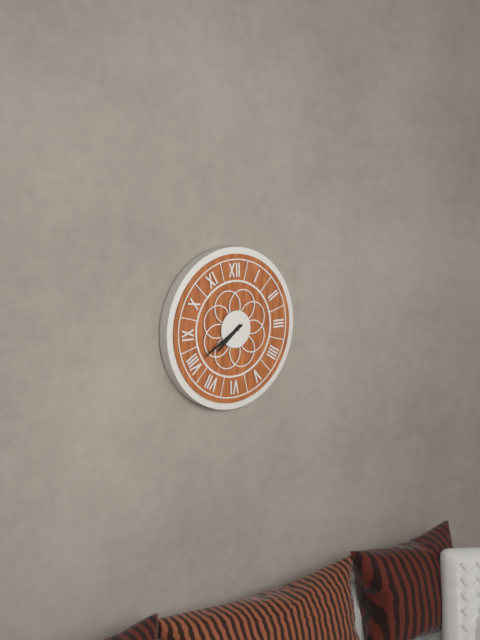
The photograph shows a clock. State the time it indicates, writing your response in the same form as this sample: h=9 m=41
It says h=7 m=40
